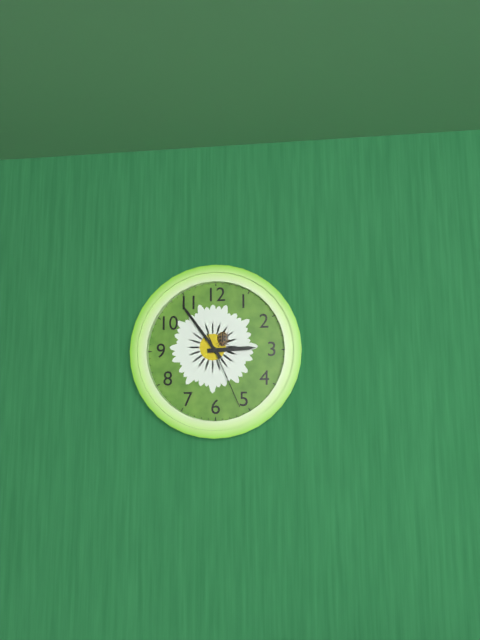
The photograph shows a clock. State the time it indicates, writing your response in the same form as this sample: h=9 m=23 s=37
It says h=2 m=54 s=26
